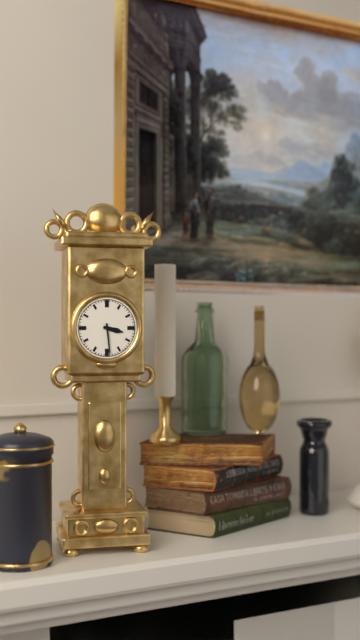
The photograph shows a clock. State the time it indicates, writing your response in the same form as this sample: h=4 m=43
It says h=3 m=29
